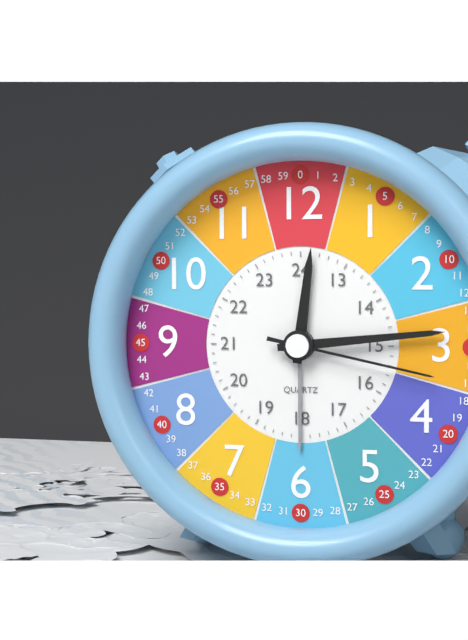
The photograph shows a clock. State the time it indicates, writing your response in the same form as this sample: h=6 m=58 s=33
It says h=12 m=14 s=17
